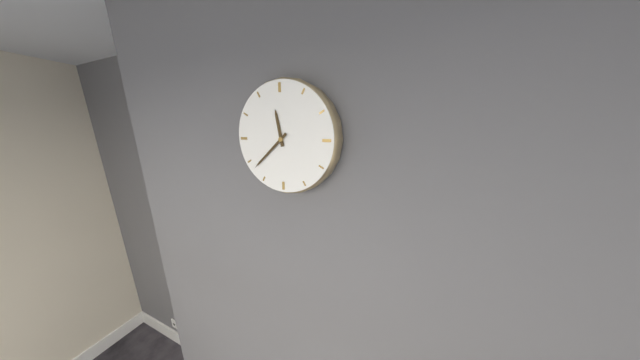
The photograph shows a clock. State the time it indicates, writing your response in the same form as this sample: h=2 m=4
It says h=11 m=38
